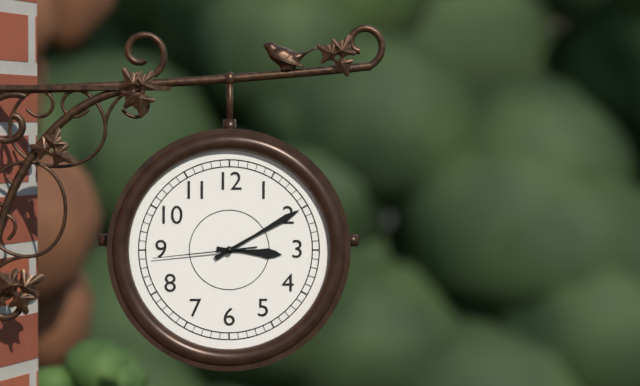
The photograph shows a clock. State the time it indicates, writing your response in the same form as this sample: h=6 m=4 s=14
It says h=3 m=10 s=44
